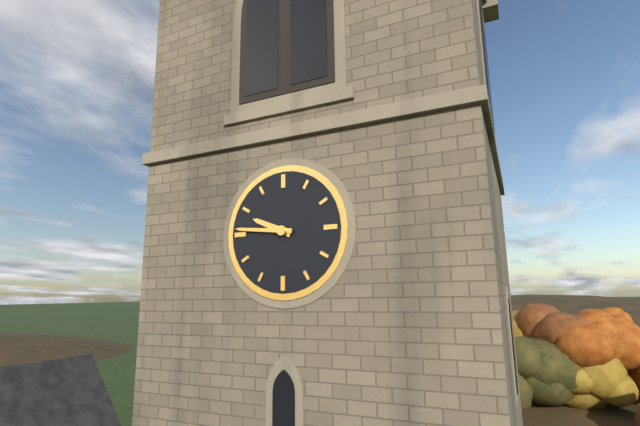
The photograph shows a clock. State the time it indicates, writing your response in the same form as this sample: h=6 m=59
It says h=9 m=46
